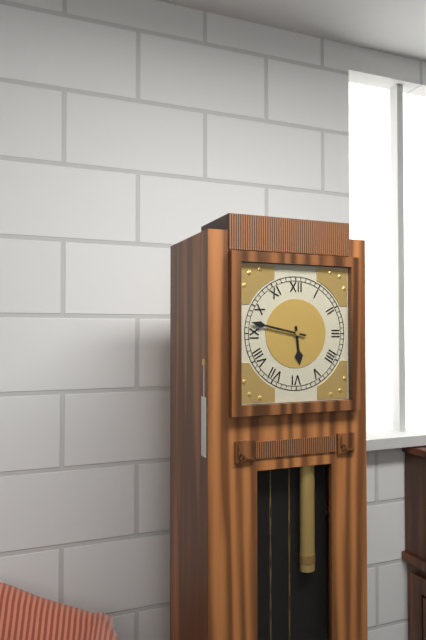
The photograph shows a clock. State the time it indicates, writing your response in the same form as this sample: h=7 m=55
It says h=5 m=47
